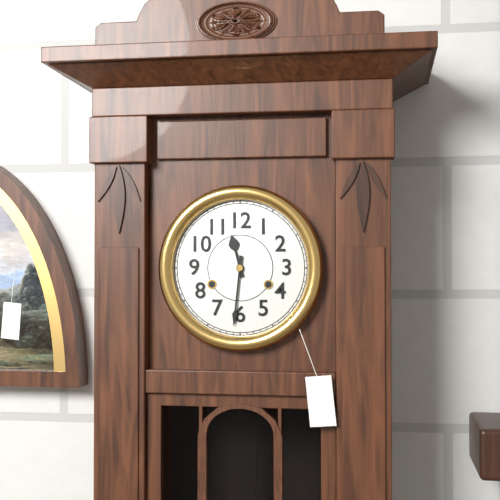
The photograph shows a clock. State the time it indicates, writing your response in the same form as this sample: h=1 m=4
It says h=11 m=31
